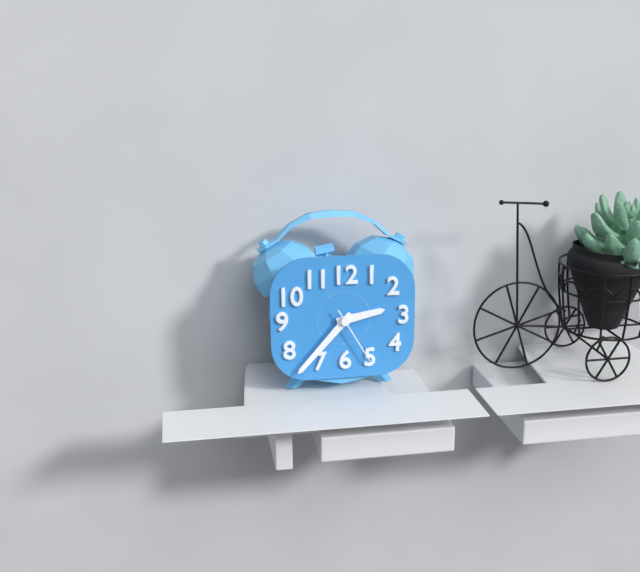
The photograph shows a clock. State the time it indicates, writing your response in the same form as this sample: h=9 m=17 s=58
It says h=2 m=37 s=25
